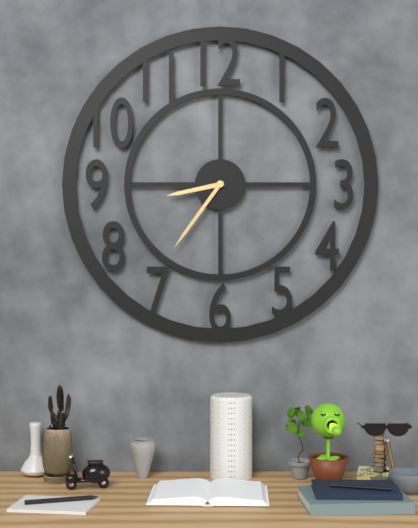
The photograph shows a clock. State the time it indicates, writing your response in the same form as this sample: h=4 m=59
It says h=8 m=36
